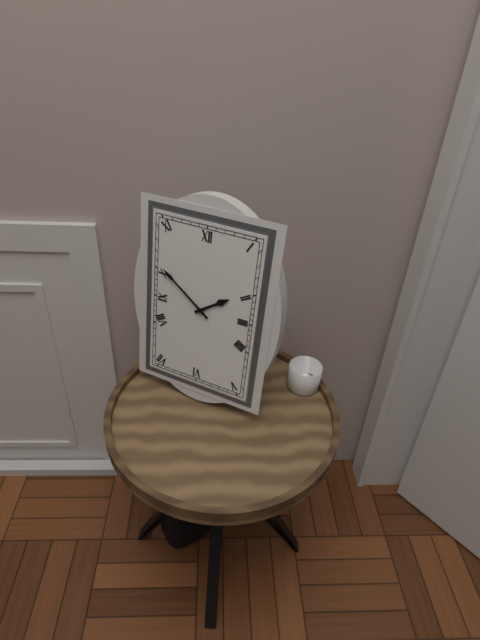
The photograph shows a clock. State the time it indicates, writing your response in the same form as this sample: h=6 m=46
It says h=1 m=51
